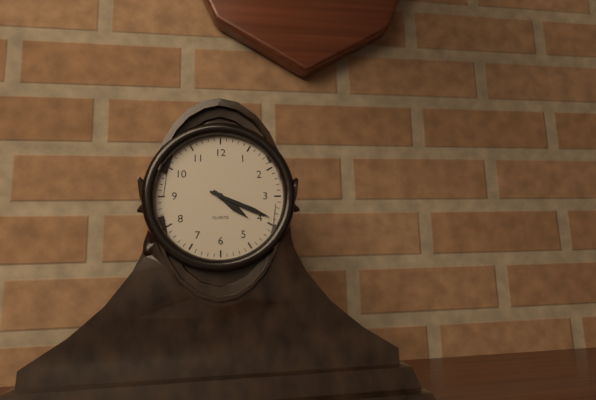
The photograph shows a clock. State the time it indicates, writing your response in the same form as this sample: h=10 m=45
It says h=4 m=19
